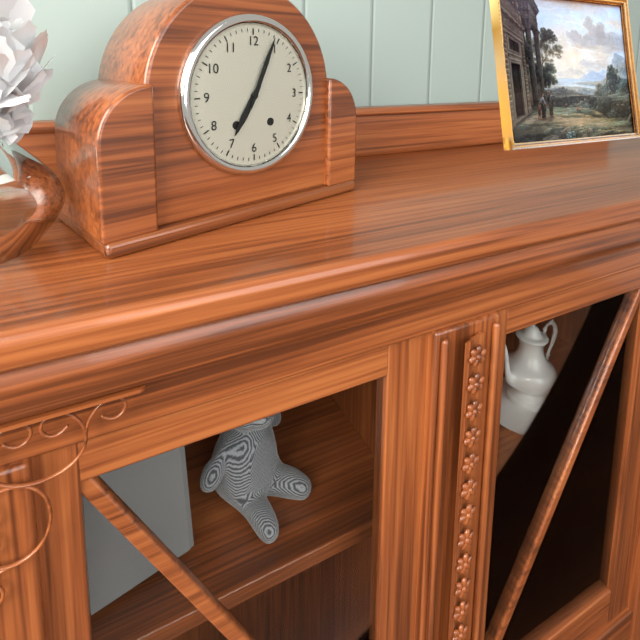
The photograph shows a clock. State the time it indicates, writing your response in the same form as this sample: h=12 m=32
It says h=7 m=4
